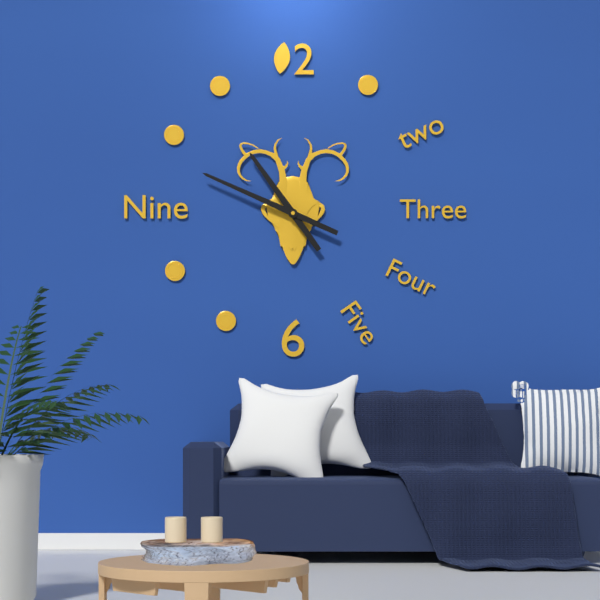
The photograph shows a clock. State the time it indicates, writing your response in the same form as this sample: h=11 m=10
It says h=10 m=49
